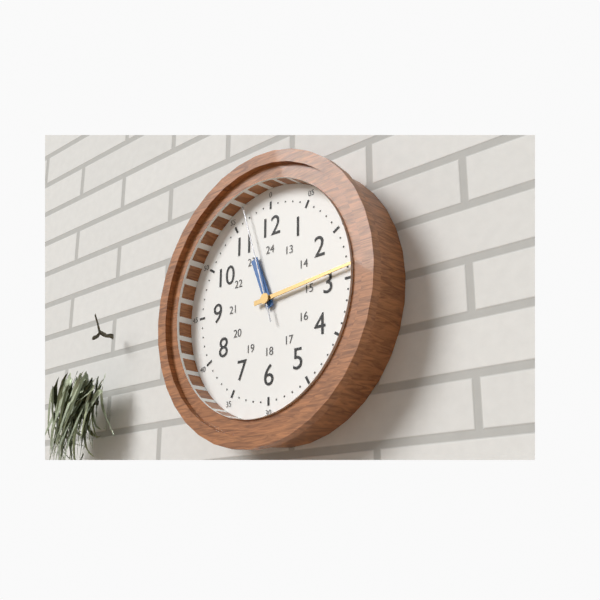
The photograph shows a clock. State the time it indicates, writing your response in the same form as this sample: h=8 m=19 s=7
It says h=11 m=14 s=57
